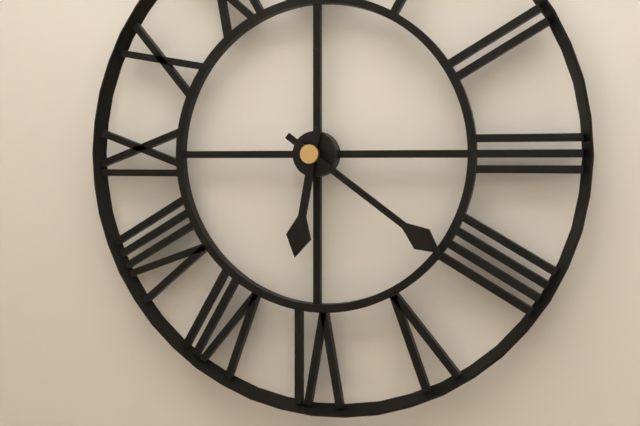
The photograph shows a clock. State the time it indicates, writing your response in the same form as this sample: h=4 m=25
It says h=6 m=21
